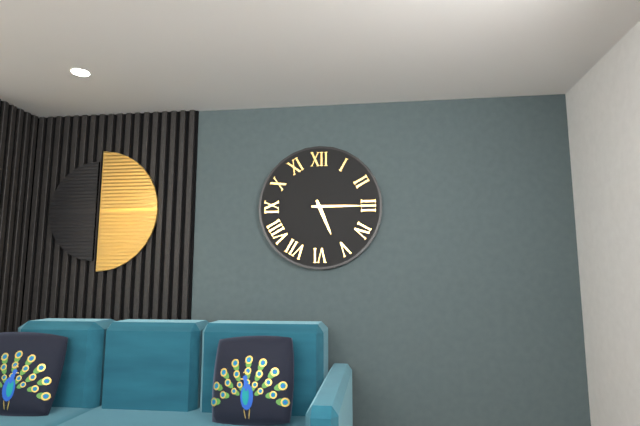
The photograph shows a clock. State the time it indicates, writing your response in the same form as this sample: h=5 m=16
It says h=5 m=15
